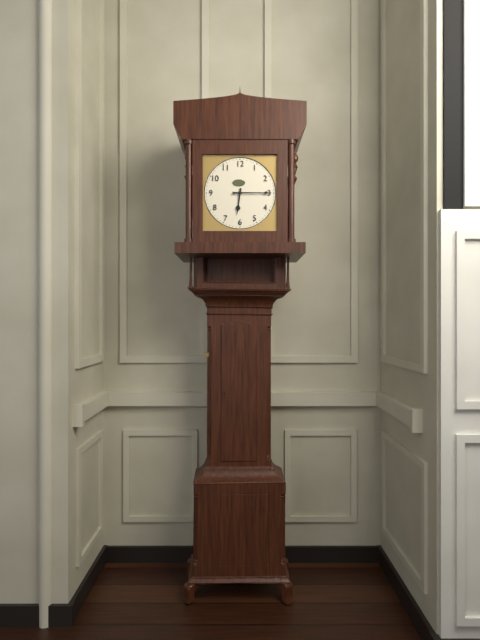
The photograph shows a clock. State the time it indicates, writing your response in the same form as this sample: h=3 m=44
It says h=6 m=15
